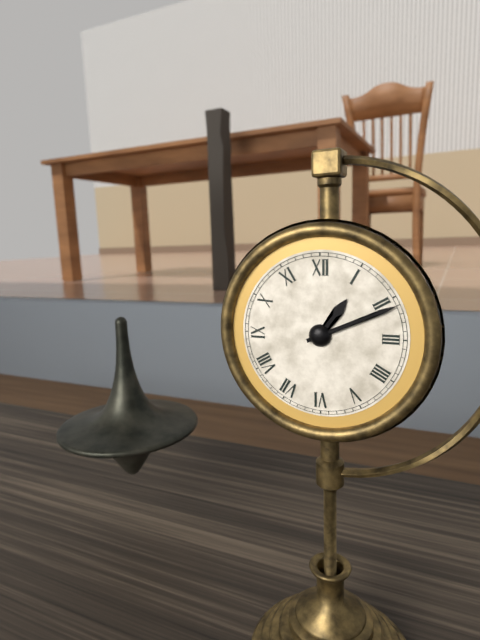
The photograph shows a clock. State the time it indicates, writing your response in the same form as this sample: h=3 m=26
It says h=1 m=11
